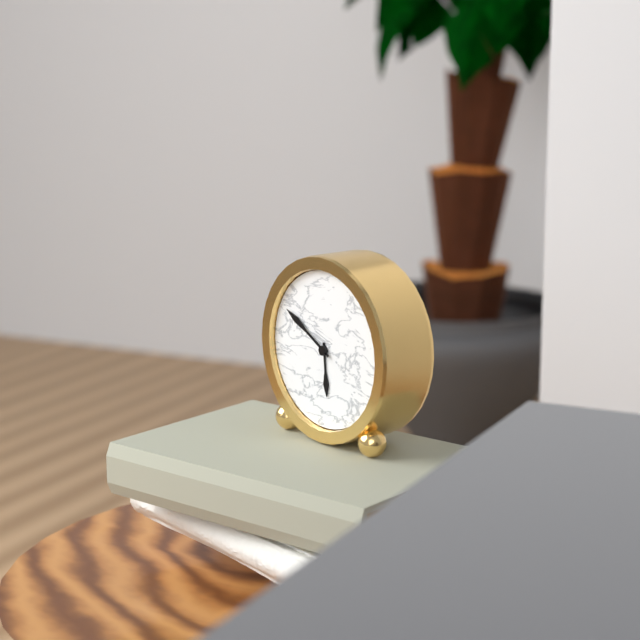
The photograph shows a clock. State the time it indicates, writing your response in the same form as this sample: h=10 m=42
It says h=5 m=50
